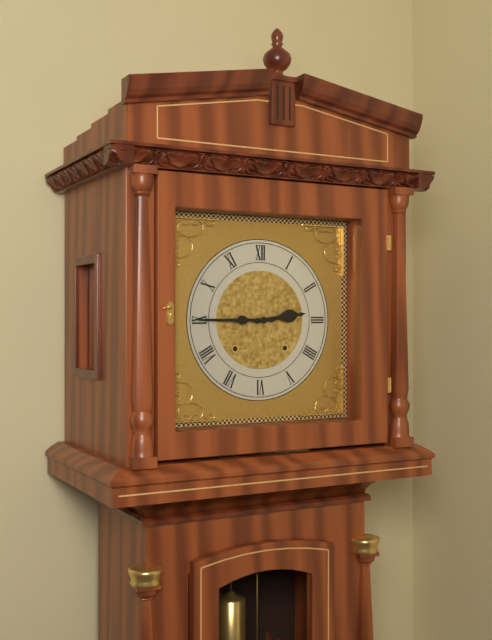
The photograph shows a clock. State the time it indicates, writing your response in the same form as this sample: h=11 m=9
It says h=2 m=45
